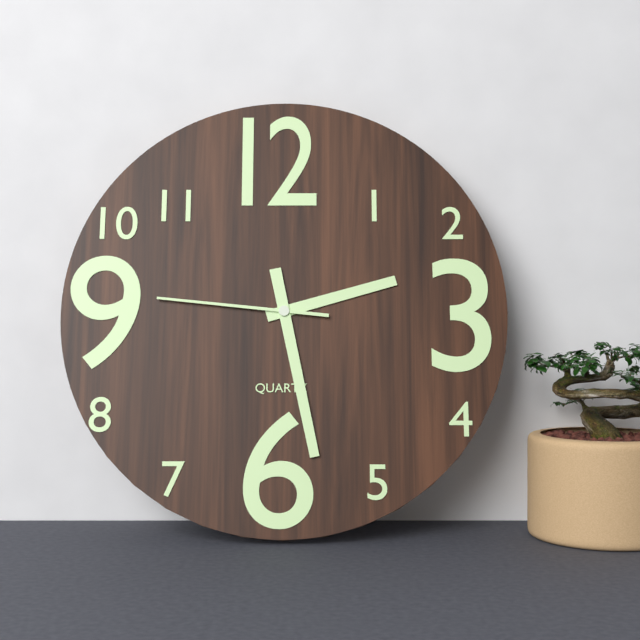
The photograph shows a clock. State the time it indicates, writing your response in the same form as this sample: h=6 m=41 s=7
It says h=2 m=28 s=46
